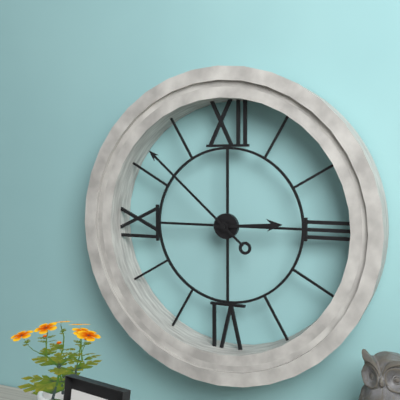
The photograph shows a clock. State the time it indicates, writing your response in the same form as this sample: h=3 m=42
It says h=2 m=52
